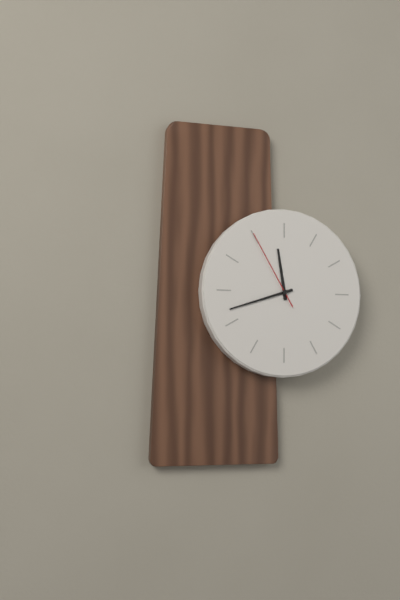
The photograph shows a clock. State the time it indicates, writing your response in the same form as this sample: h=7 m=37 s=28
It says h=11 m=42 s=55
